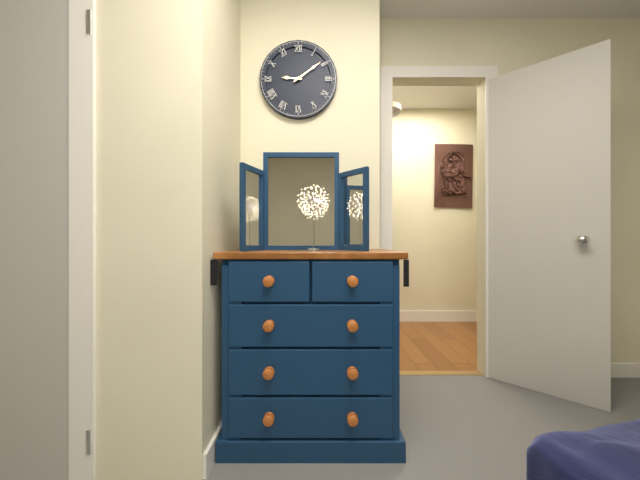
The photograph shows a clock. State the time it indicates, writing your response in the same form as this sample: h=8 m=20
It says h=9 m=9
